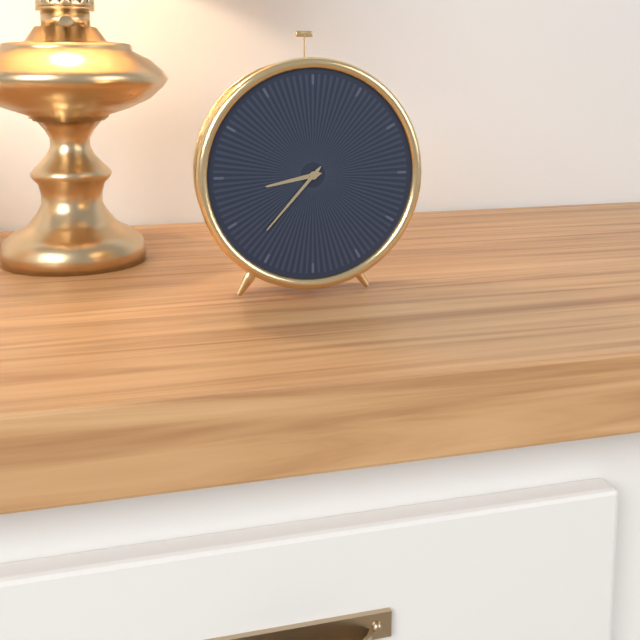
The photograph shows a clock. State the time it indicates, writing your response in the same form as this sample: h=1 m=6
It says h=8 m=37
